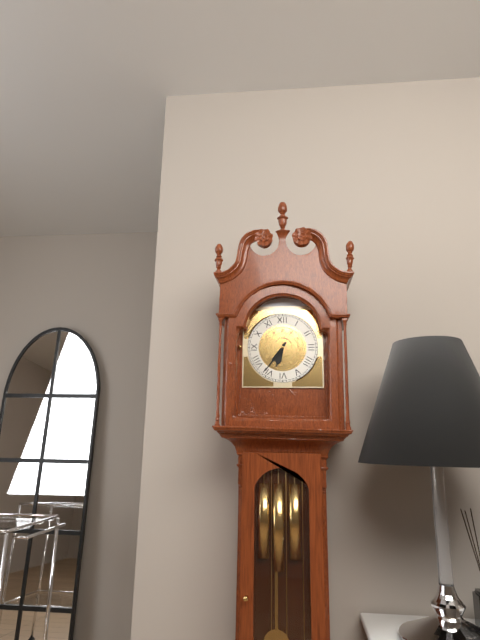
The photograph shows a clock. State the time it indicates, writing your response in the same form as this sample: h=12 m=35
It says h=6 m=36
